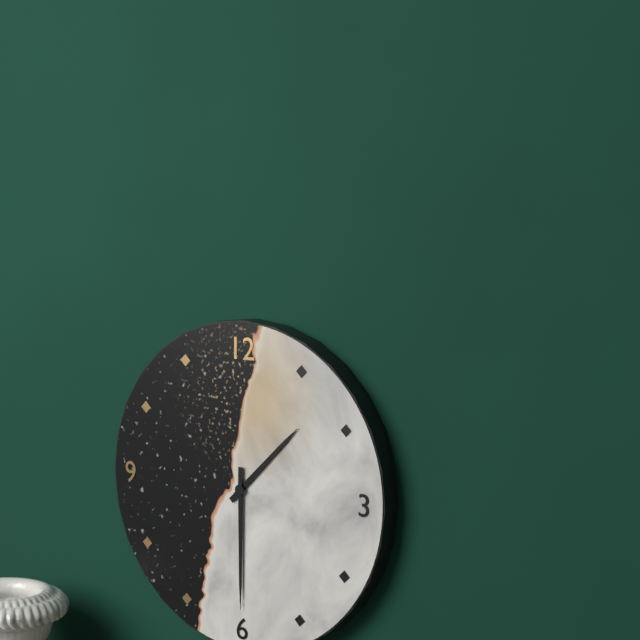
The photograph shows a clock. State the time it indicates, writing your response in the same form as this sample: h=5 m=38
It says h=1 m=30
